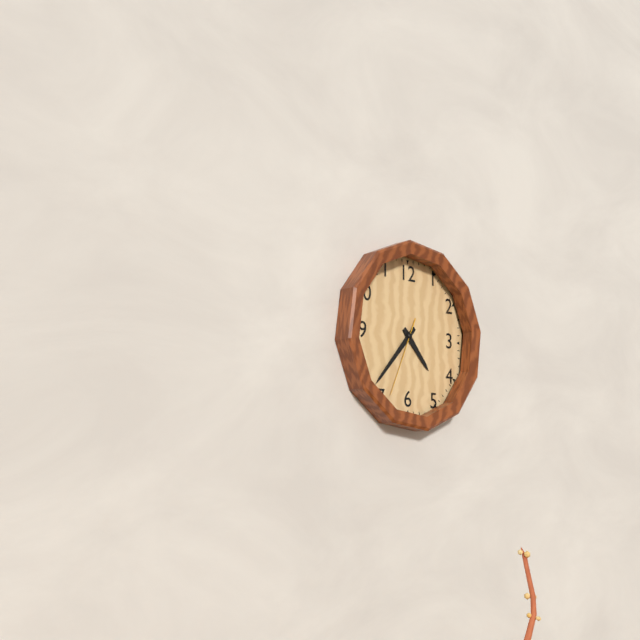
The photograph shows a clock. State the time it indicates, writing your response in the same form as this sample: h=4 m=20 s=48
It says h=4 m=37 s=34
